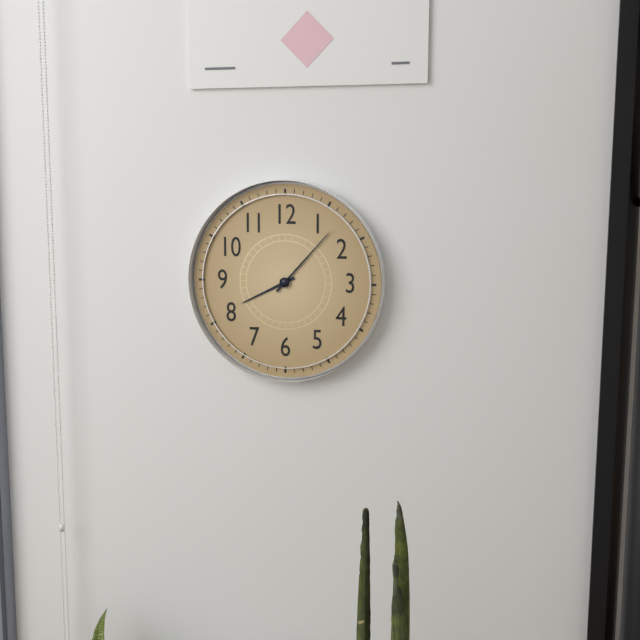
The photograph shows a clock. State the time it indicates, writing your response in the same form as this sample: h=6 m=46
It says h=8 m=7
